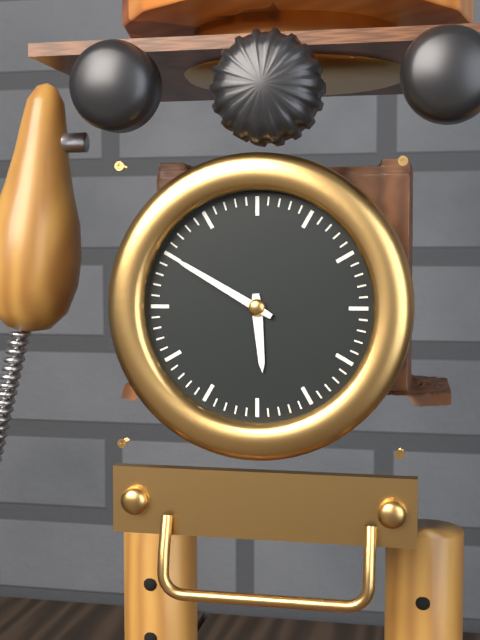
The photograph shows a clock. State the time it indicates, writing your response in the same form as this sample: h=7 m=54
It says h=5 m=50
